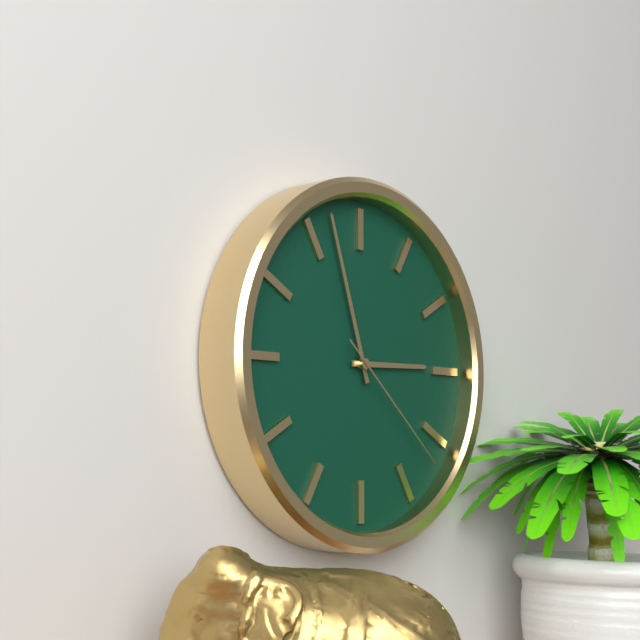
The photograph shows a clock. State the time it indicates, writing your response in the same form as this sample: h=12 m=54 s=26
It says h=2 m=57 s=22
